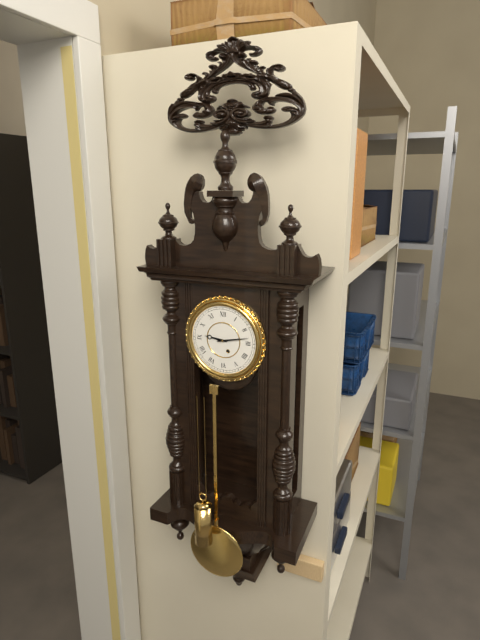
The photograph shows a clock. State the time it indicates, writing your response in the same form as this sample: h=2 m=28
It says h=9 m=13
